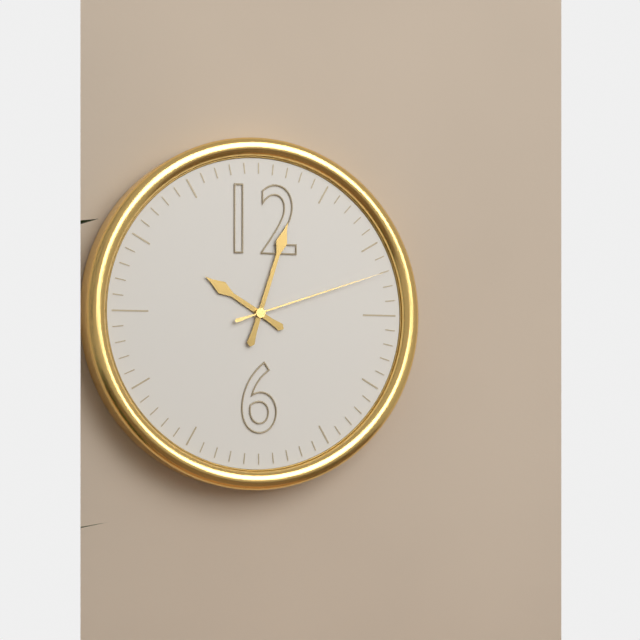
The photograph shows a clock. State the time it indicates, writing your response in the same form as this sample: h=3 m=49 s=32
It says h=10 m=3 s=12
